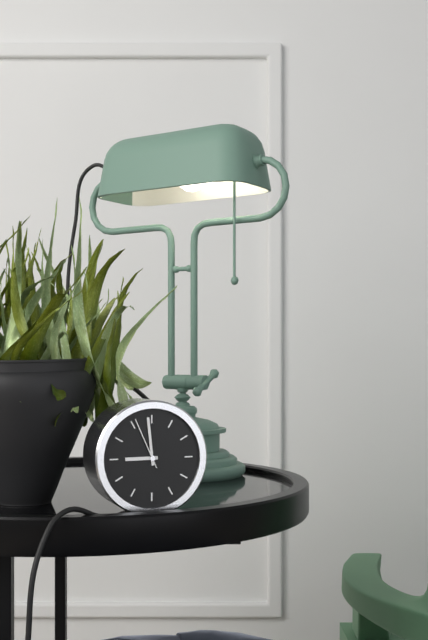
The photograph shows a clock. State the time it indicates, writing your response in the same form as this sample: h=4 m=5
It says h=8 m=59
